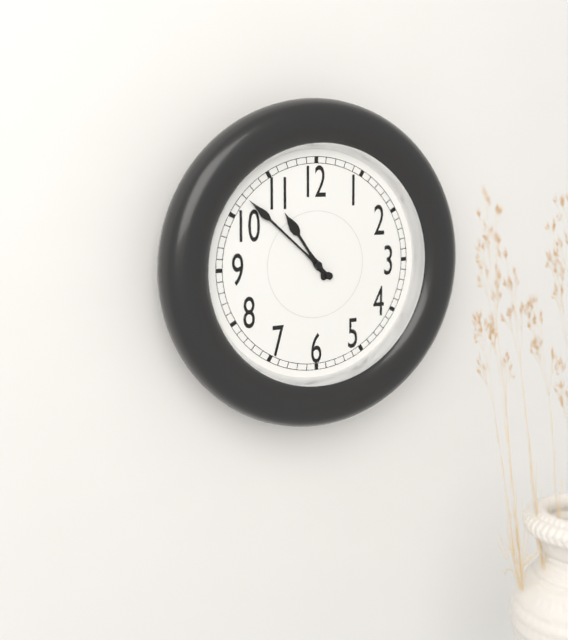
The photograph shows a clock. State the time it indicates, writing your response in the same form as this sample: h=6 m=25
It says h=10 m=52
